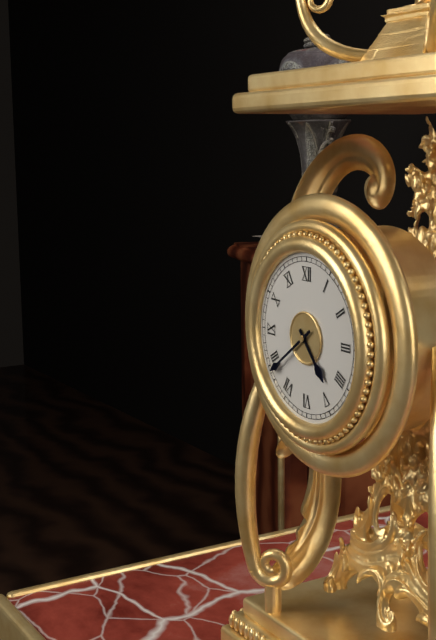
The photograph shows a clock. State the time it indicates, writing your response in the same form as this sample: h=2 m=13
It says h=4 m=39
